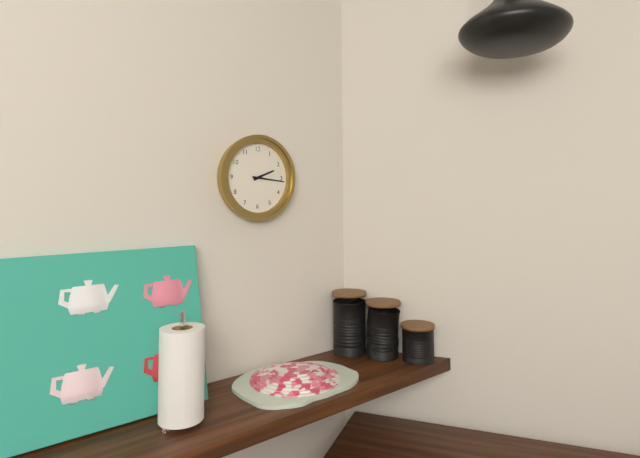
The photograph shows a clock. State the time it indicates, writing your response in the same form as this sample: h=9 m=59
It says h=2 m=16
